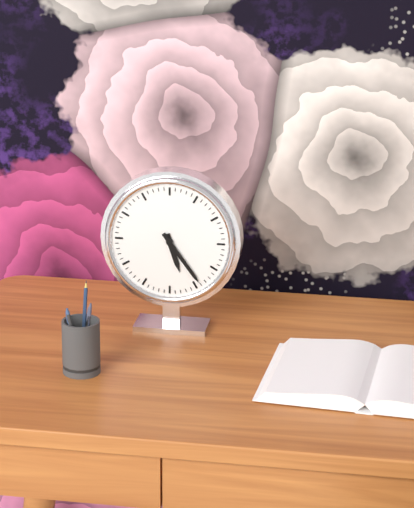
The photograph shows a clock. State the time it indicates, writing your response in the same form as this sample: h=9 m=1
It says h=5 m=24
